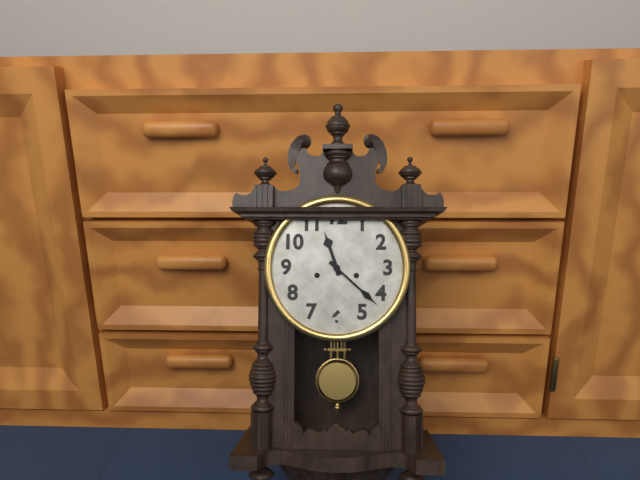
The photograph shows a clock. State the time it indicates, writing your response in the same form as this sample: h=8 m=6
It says h=11 m=22
